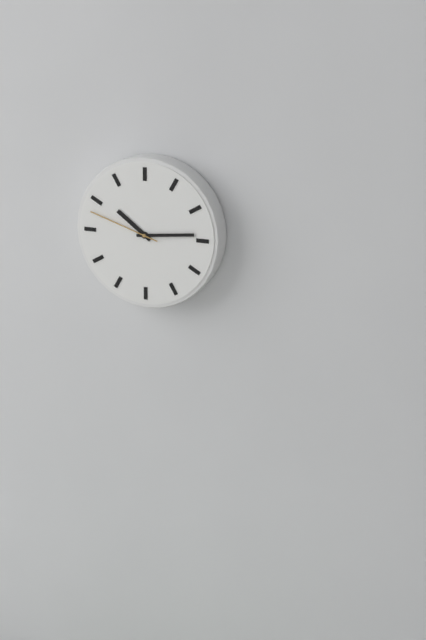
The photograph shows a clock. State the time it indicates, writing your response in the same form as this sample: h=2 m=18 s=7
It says h=10 m=14 s=48
